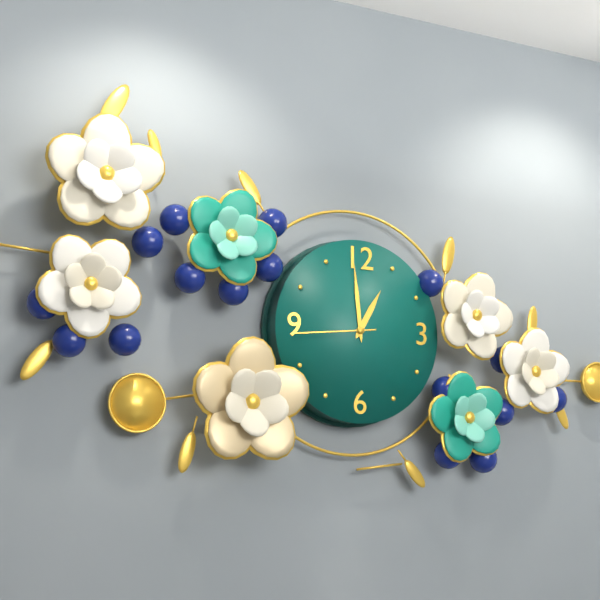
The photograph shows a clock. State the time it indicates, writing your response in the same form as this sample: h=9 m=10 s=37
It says h=12 m=59 s=44
